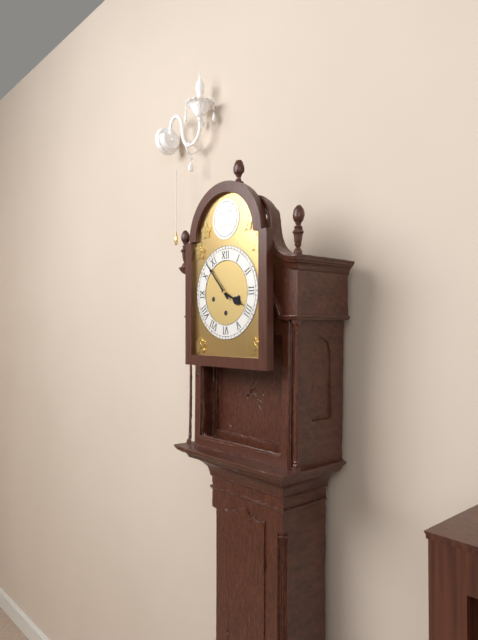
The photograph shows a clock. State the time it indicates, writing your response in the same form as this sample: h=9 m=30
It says h=3 m=53
